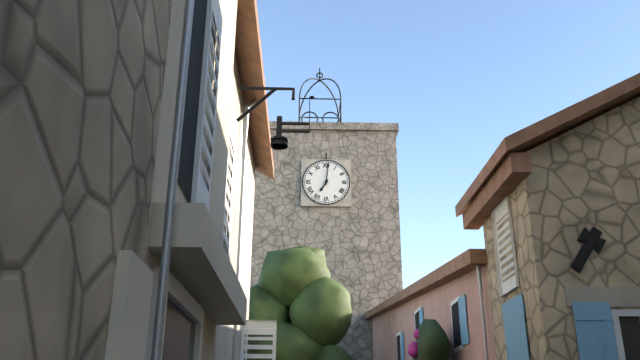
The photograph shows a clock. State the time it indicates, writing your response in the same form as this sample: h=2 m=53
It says h=7 m=1
